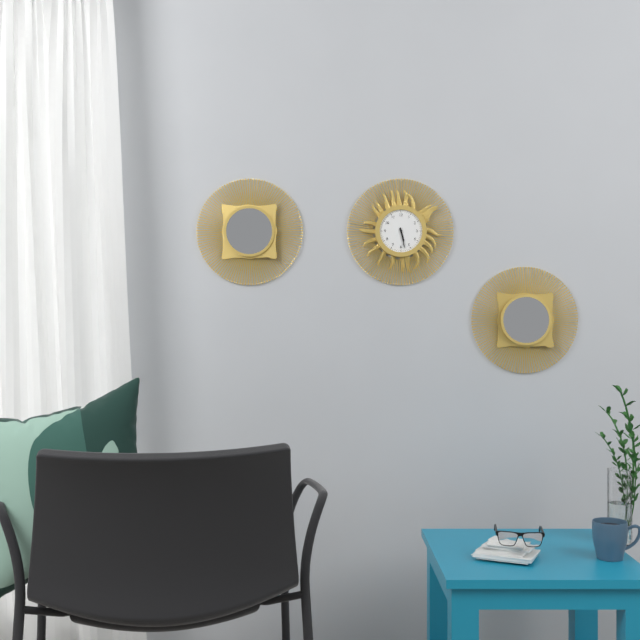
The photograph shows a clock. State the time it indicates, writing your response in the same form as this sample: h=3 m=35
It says h=5 m=28
